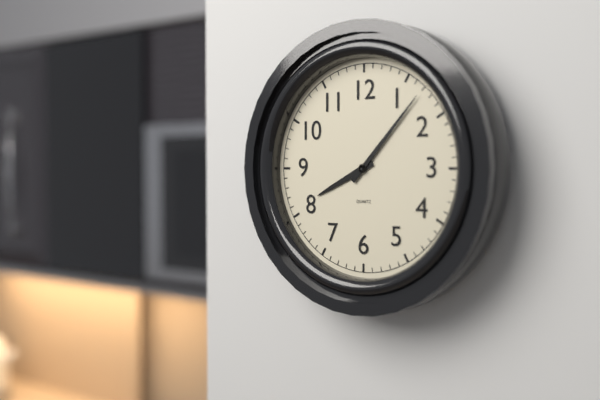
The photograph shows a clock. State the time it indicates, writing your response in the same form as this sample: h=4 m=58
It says h=8 m=7
